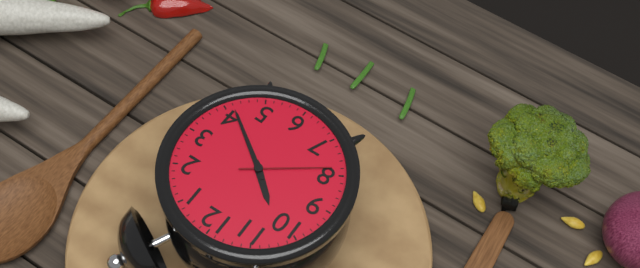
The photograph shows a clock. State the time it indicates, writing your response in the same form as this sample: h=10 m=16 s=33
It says h=10 m=21 s=39
